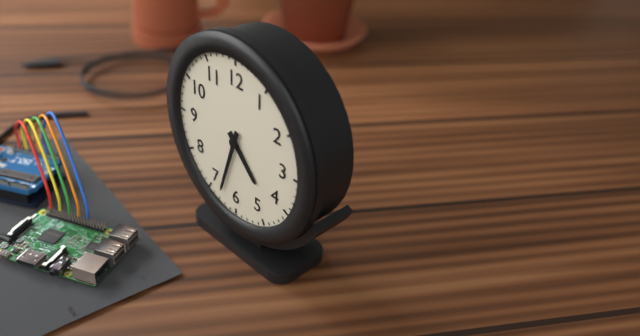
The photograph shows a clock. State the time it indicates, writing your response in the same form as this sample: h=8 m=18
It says h=4 m=33
